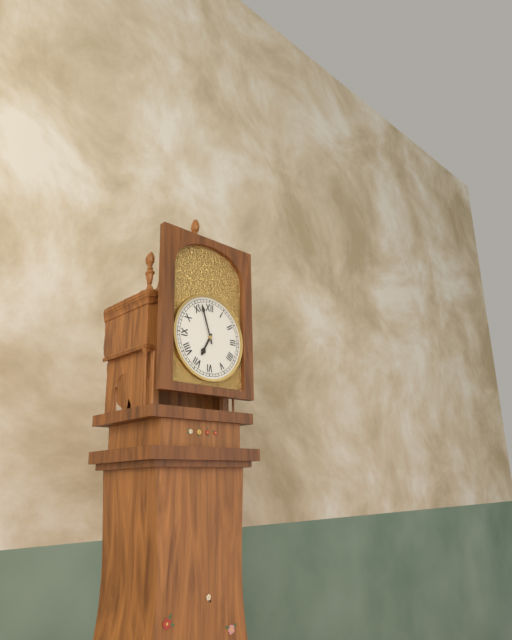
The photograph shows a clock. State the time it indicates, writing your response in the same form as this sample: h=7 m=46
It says h=6 m=57
